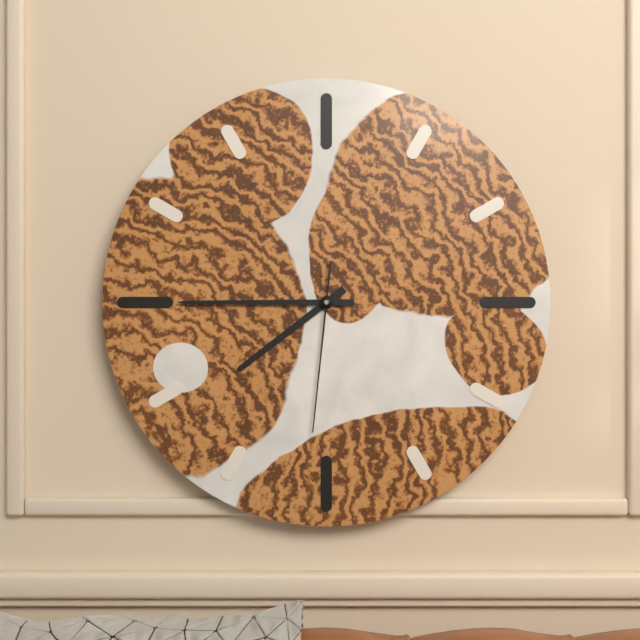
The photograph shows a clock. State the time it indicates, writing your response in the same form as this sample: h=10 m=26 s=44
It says h=7 m=45 s=31
